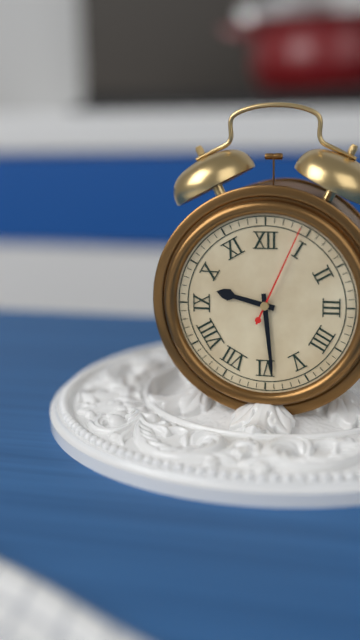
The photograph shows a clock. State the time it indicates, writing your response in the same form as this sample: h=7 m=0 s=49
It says h=9 m=29 s=4
